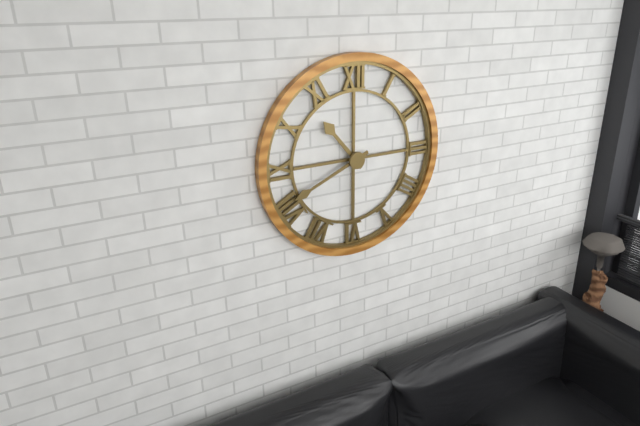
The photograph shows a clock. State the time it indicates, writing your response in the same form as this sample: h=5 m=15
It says h=10 m=41
